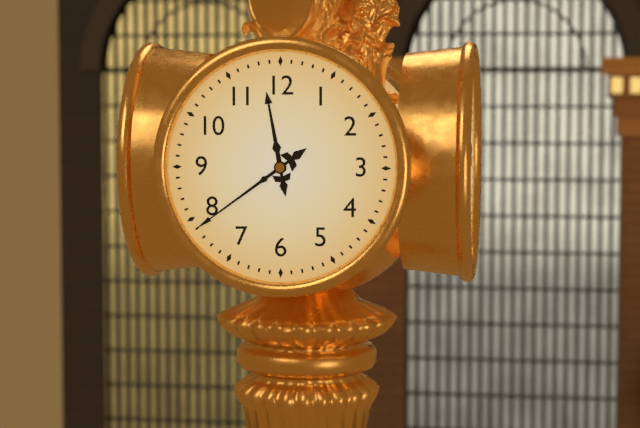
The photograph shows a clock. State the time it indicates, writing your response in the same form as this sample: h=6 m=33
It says h=11 m=39
